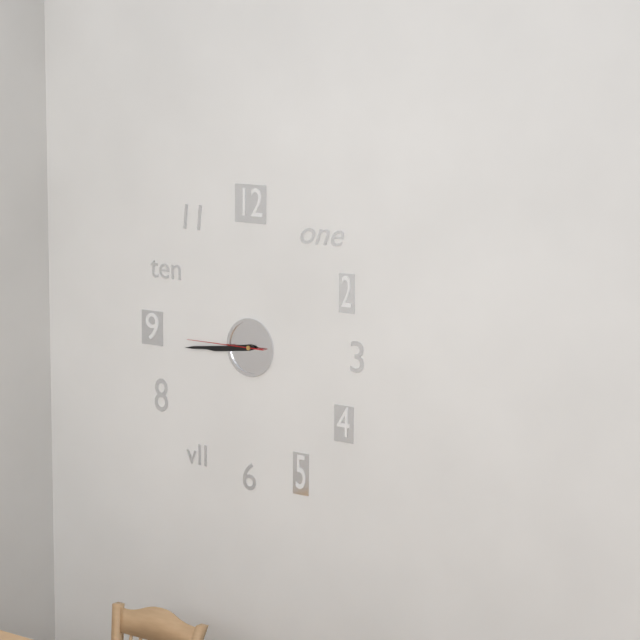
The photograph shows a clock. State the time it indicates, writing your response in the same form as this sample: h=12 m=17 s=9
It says h=8 m=44 s=45
